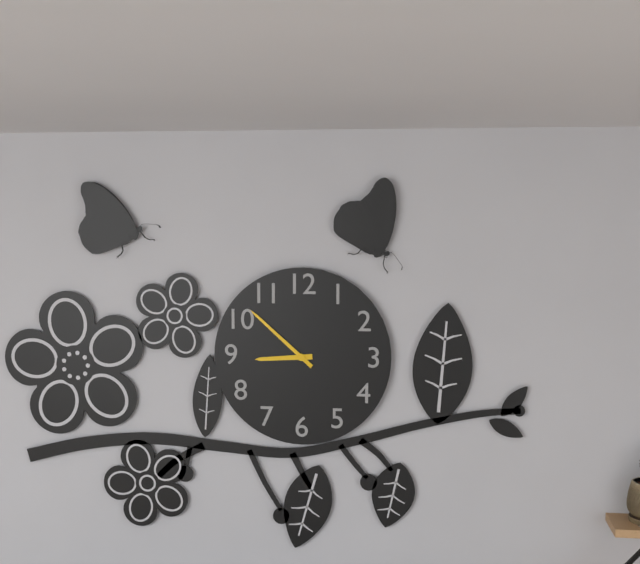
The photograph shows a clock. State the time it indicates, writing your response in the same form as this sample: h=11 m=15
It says h=8 m=52
